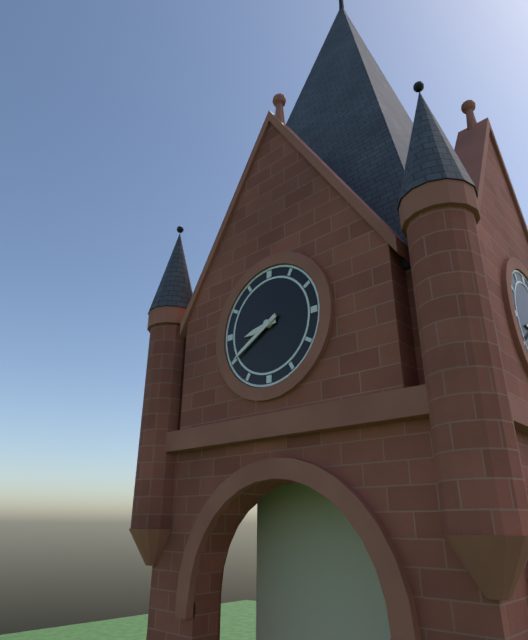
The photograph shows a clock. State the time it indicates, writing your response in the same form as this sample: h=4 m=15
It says h=8 m=40
